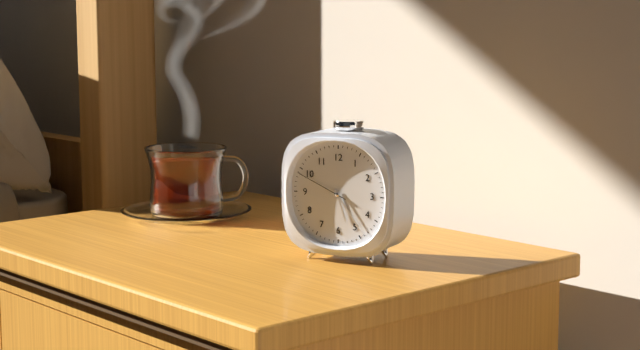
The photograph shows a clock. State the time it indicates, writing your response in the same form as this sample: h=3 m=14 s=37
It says h=5 m=24 s=49
